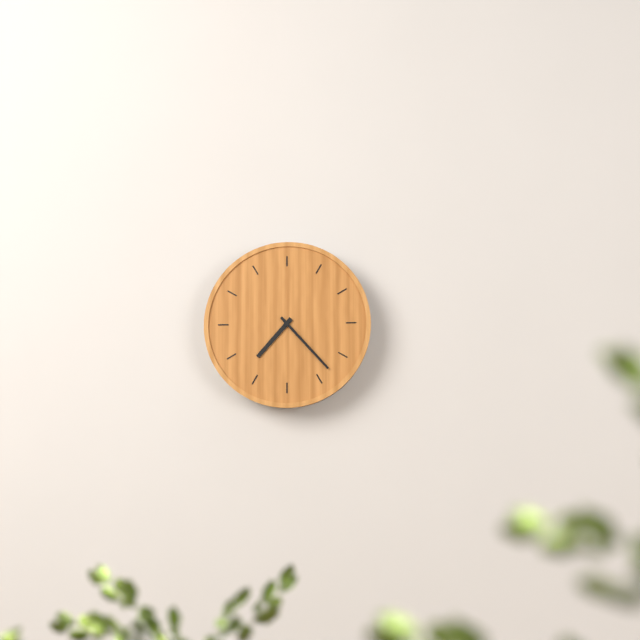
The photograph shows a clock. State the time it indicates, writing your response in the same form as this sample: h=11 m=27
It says h=7 m=23
